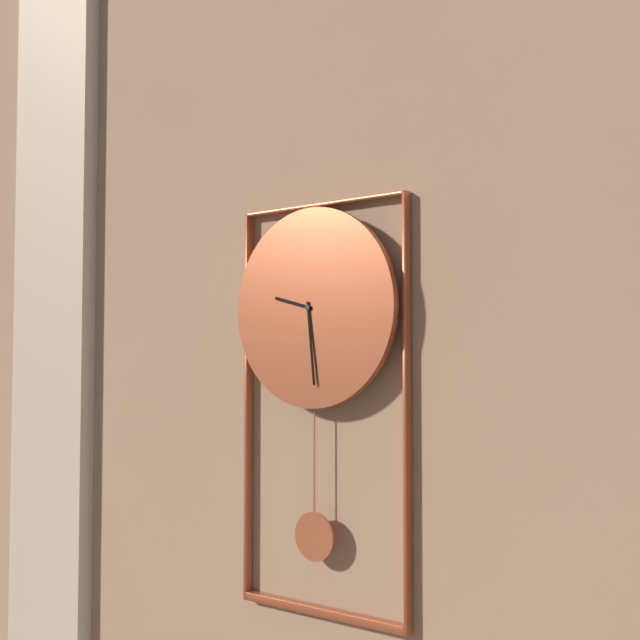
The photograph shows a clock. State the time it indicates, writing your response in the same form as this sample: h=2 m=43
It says h=9 m=29
